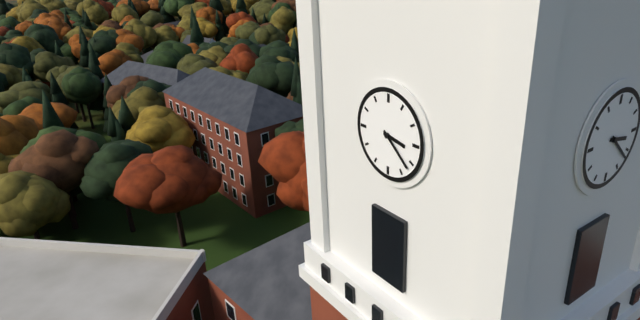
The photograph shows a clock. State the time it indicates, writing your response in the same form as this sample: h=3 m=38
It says h=3 m=22
